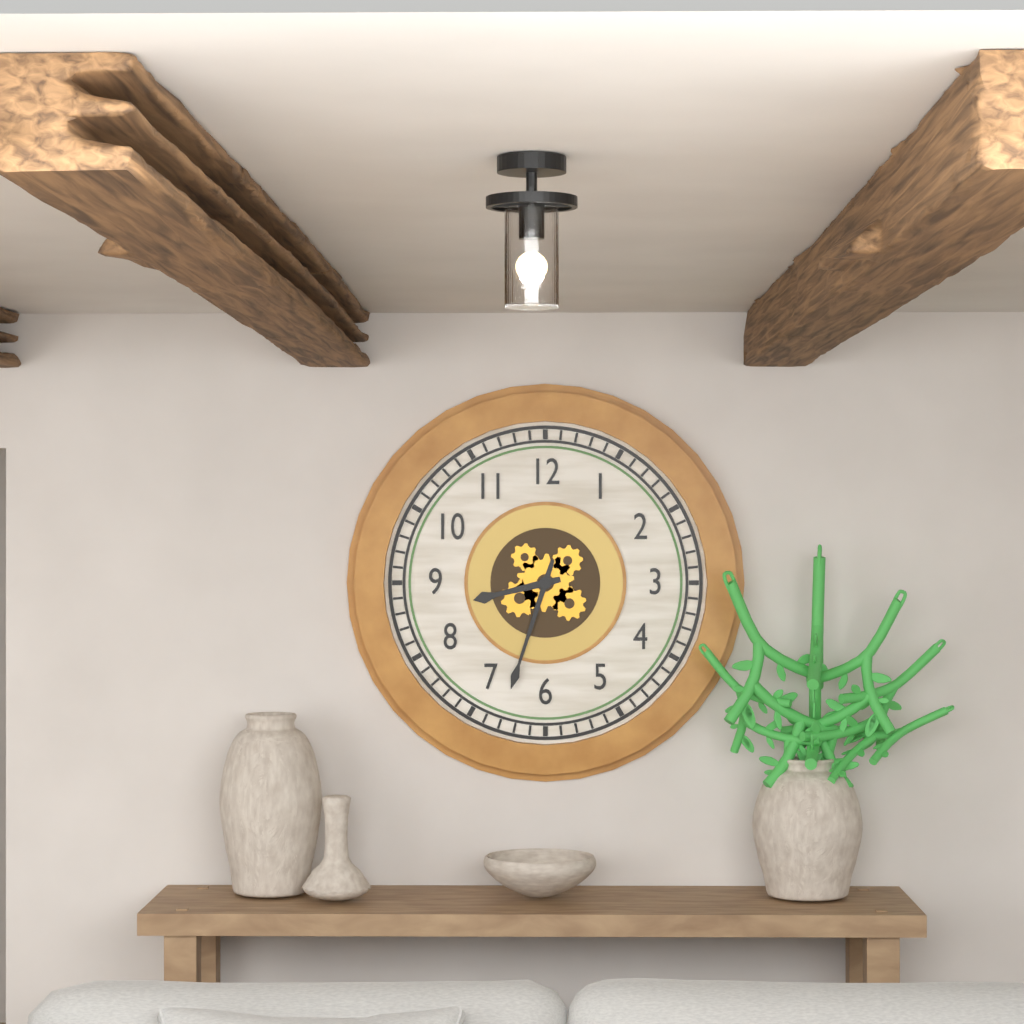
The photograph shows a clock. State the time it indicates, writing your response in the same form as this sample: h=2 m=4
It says h=8 m=33
